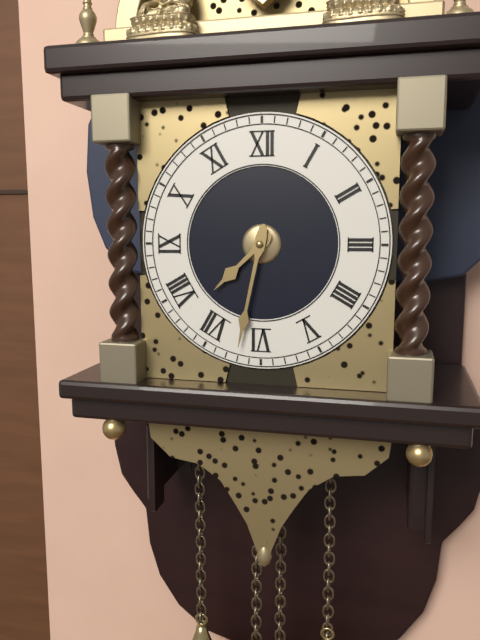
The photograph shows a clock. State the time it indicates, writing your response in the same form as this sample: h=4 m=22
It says h=7 m=32
